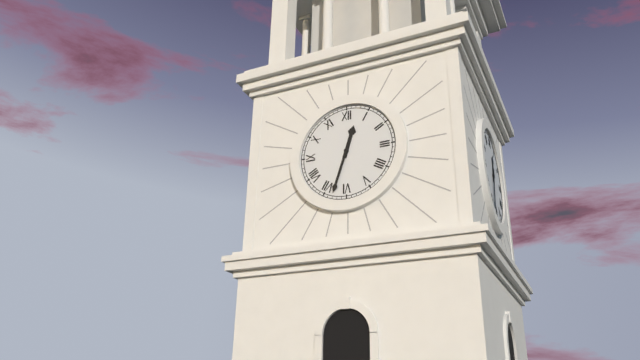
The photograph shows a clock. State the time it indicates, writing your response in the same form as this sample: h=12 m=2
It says h=12 m=33
